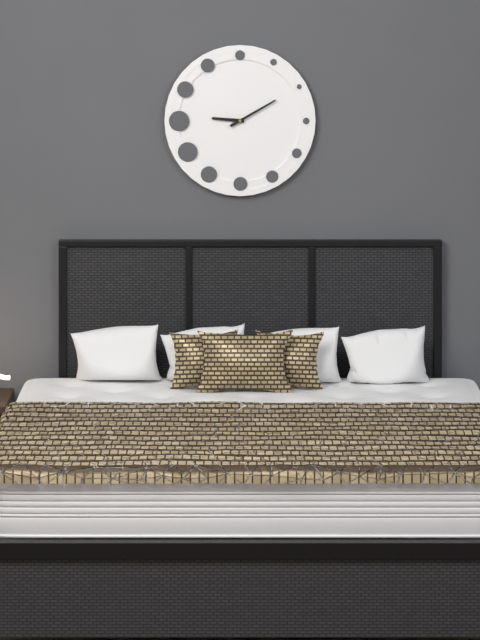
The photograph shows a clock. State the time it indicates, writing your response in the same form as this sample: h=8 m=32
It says h=9 m=10
